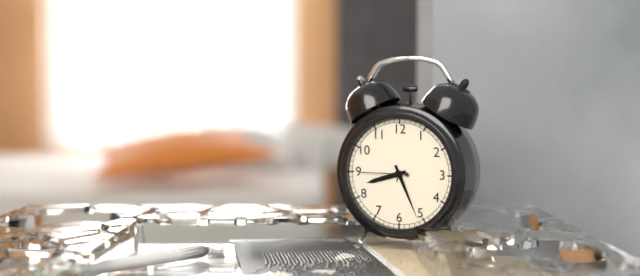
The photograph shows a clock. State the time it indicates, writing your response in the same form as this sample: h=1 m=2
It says h=8 m=26
